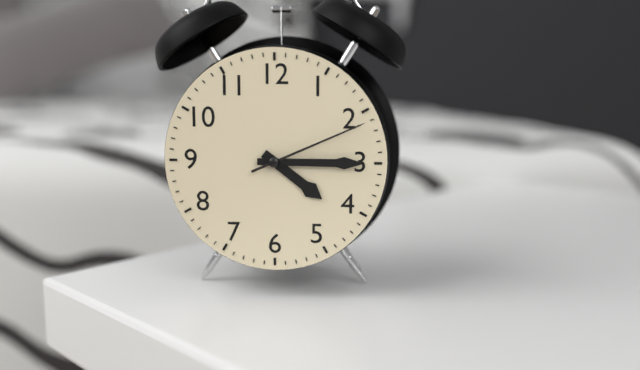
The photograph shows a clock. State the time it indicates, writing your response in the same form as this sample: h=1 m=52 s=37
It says h=4 m=15 s=11
